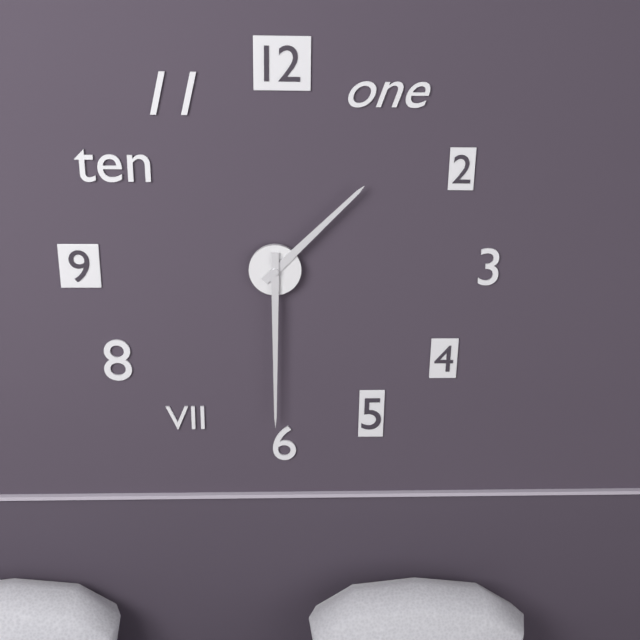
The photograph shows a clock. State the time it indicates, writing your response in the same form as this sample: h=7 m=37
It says h=1 m=30
